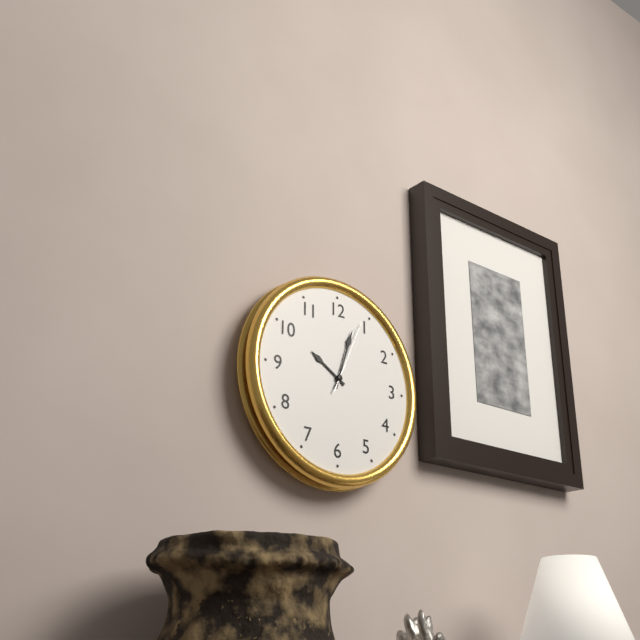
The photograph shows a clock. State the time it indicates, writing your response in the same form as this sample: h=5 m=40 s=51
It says h=10 m=3 s=4
